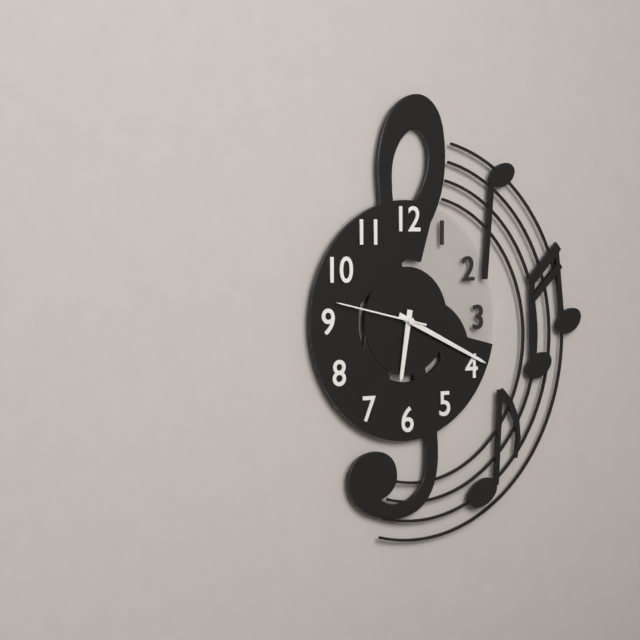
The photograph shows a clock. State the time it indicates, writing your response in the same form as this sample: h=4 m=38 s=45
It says h=6 m=19 s=47
